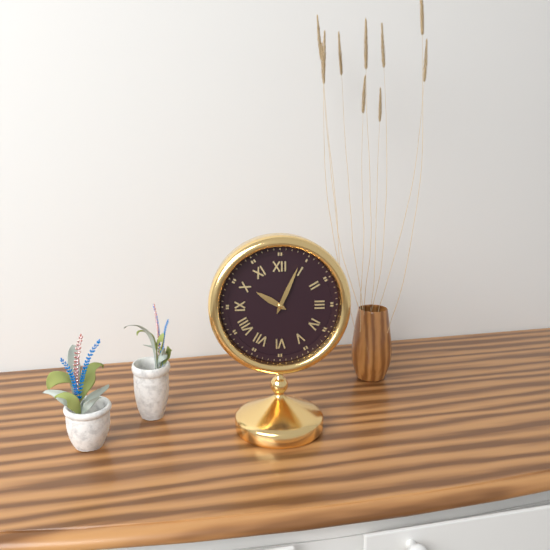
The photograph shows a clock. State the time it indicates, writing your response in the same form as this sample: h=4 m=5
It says h=10 m=4
